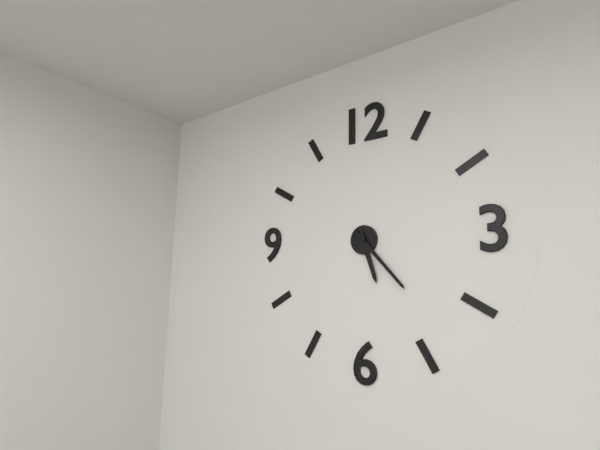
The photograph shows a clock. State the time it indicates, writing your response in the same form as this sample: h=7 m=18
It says h=5 m=23
